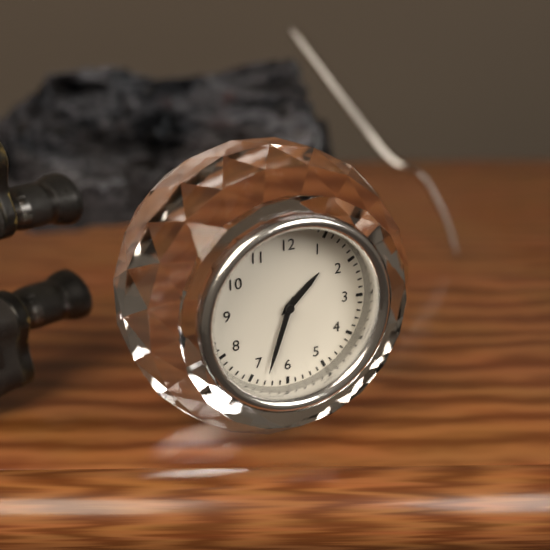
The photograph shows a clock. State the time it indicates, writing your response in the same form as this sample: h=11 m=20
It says h=1 m=33
